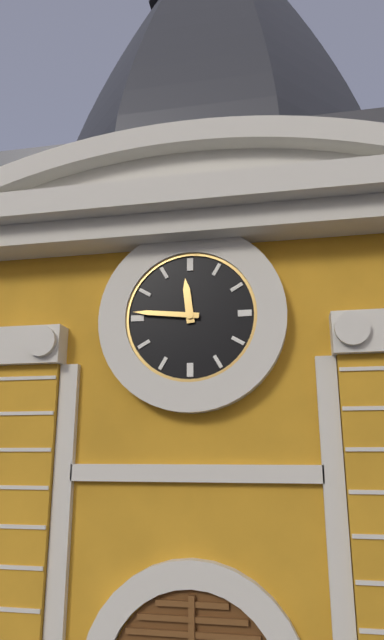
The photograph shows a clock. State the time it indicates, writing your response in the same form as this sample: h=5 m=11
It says h=11 m=46
